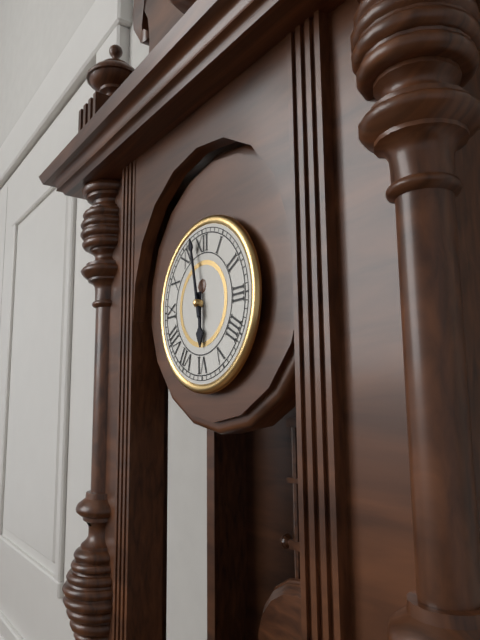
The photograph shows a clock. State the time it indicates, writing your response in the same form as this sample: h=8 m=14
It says h=5 m=58
